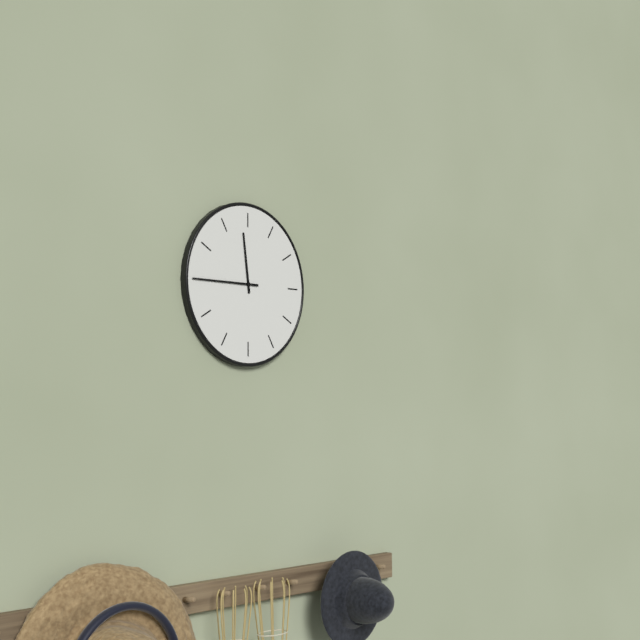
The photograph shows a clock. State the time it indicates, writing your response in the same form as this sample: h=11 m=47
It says h=11 m=45
